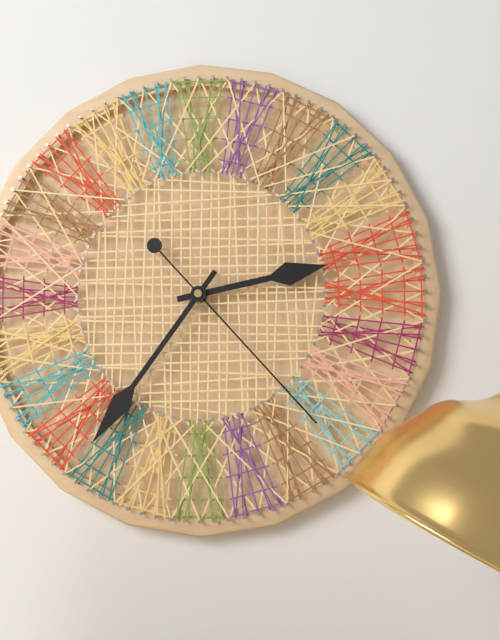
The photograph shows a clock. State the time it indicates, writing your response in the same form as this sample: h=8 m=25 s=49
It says h=2 m=36 s=23
